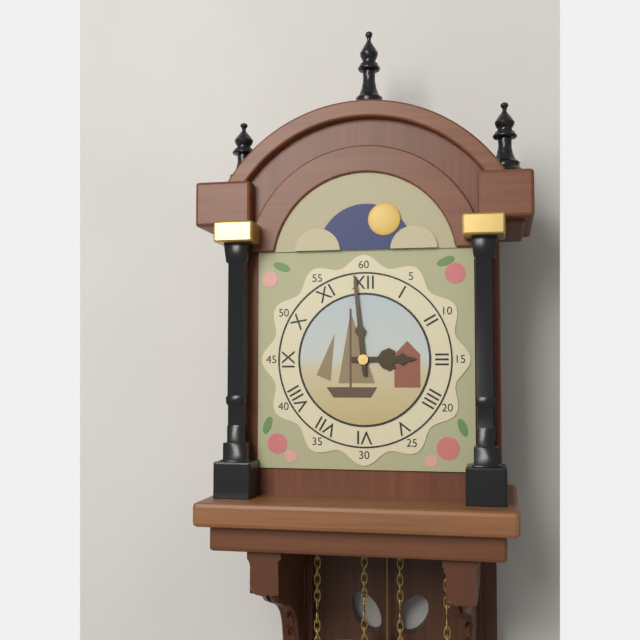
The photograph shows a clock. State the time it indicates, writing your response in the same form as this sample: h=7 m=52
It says h=2 m=59
